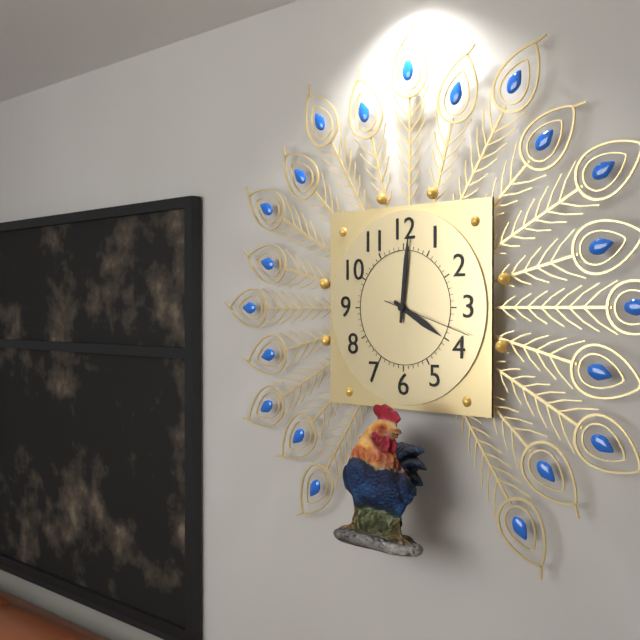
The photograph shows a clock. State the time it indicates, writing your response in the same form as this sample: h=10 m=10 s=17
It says h=4 m=1 s=18
